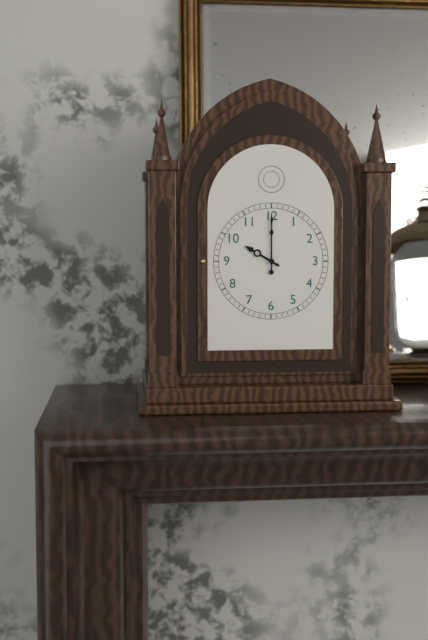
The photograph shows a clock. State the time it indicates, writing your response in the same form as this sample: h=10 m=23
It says h=10 m=0
